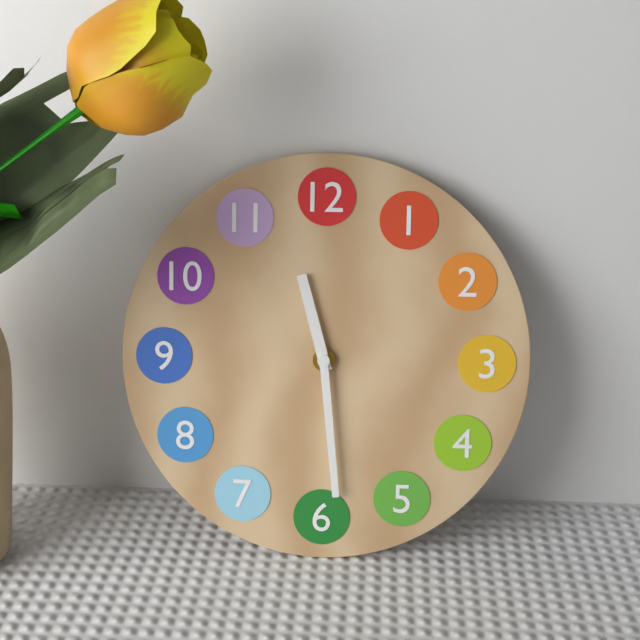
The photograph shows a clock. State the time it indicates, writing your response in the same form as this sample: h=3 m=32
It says h=11 m=29
